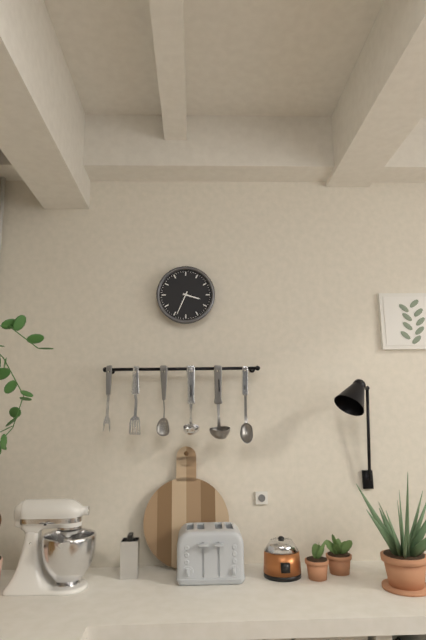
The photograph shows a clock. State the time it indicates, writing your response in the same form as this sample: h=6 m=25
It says h=3 m=34
